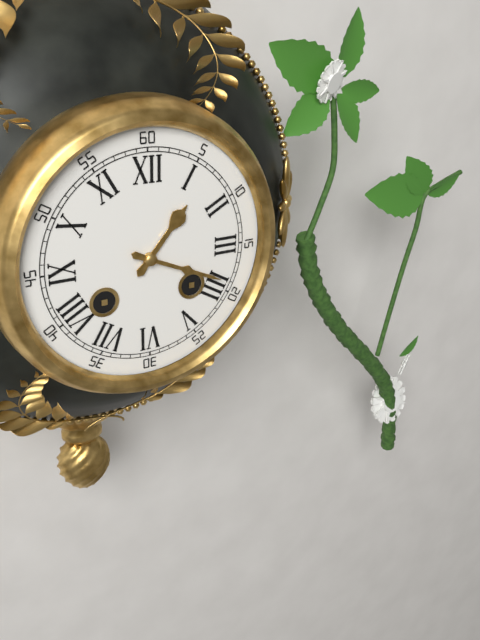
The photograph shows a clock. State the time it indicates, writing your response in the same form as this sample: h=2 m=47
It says h=1 m=19
